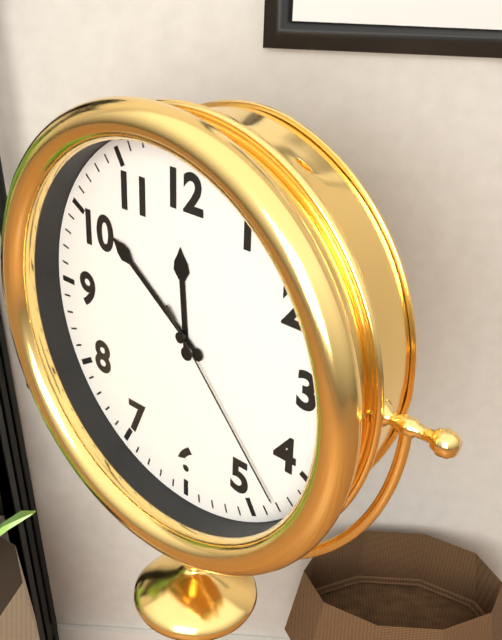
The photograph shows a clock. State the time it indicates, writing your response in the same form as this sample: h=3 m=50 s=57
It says h=11 m=51 s=23
